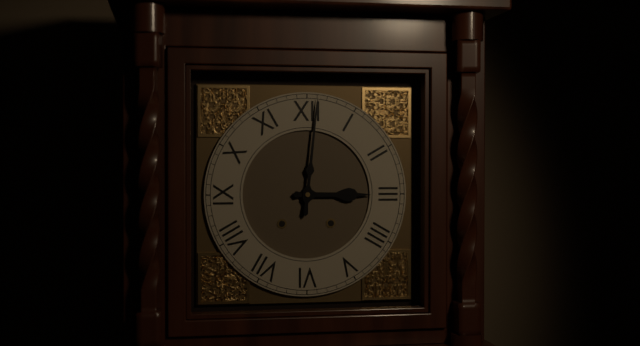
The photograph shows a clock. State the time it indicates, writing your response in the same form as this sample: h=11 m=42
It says h=3 m=1
